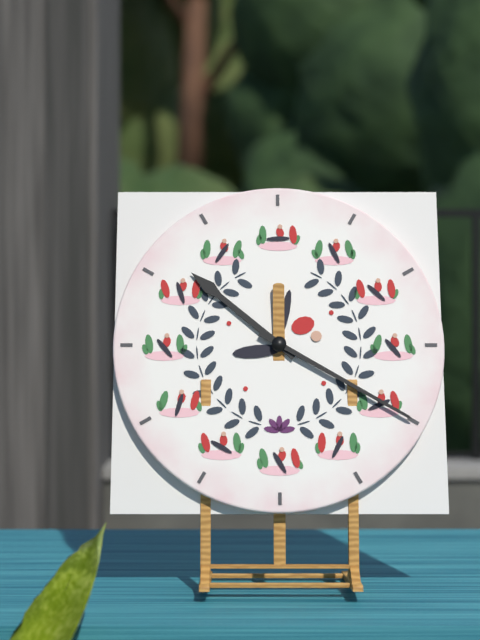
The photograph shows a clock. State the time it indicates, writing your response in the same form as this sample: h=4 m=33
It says h=10 m=20
